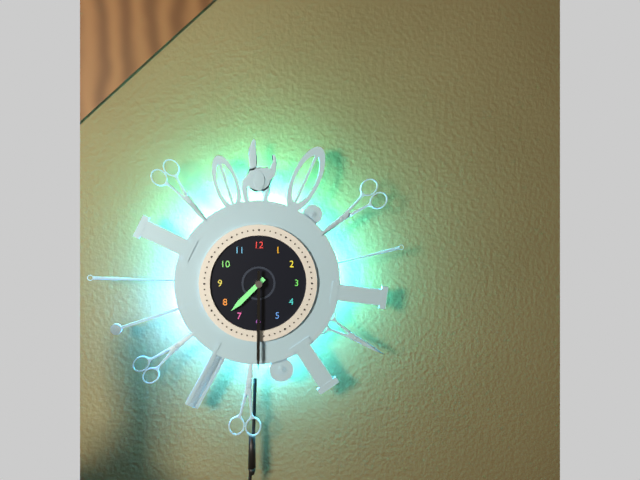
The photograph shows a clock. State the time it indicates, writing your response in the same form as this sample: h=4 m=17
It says h=7 m=30
